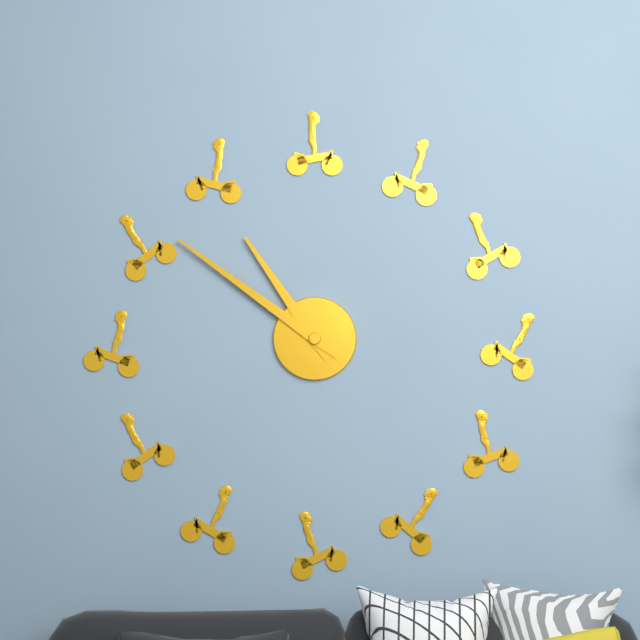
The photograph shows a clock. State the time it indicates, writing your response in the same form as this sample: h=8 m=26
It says h=10 m=51
